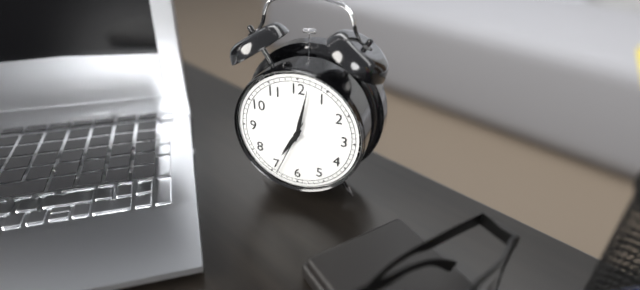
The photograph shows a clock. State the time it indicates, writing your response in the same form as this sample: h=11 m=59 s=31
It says h=7 m=2 s=34
